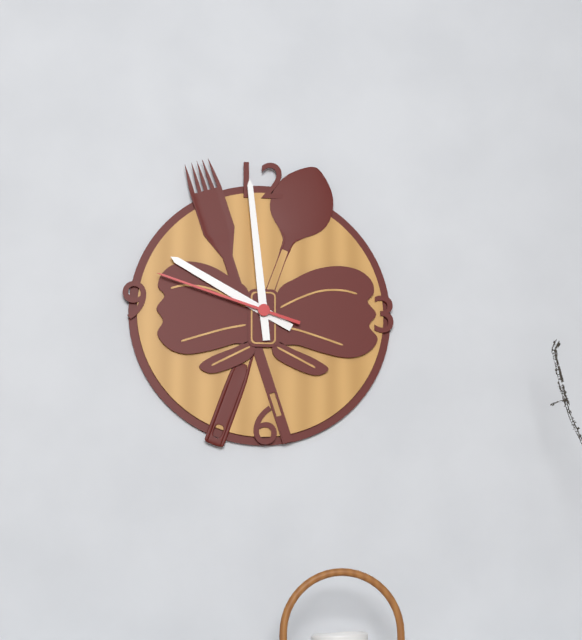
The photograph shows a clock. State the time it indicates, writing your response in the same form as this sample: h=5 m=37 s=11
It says h=9 m=59 s=48
